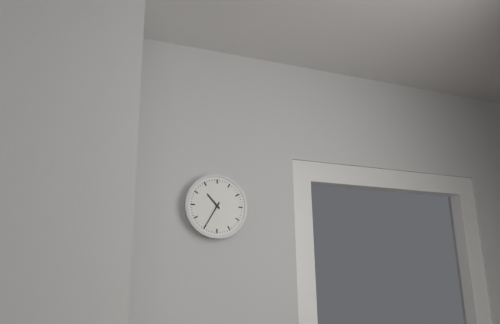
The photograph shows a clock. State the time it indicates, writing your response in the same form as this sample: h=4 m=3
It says h=10 m=35
